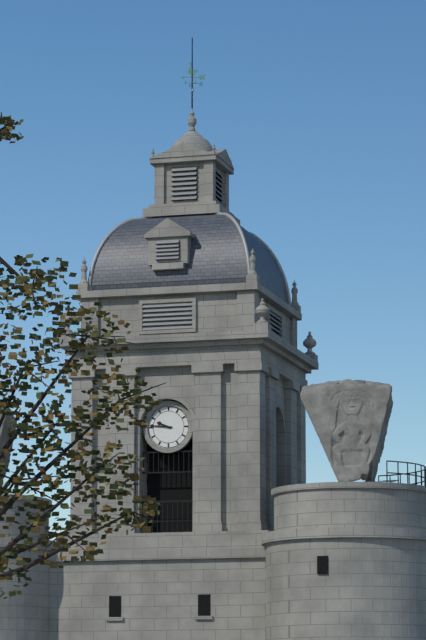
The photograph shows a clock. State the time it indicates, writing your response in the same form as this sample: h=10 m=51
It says h=9 m=46
